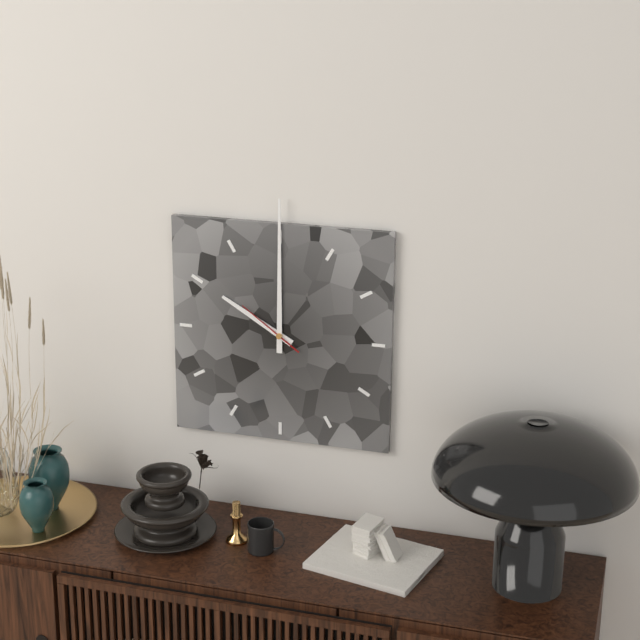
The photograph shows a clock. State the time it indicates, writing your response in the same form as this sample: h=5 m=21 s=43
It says h=10 m=0 s=51
